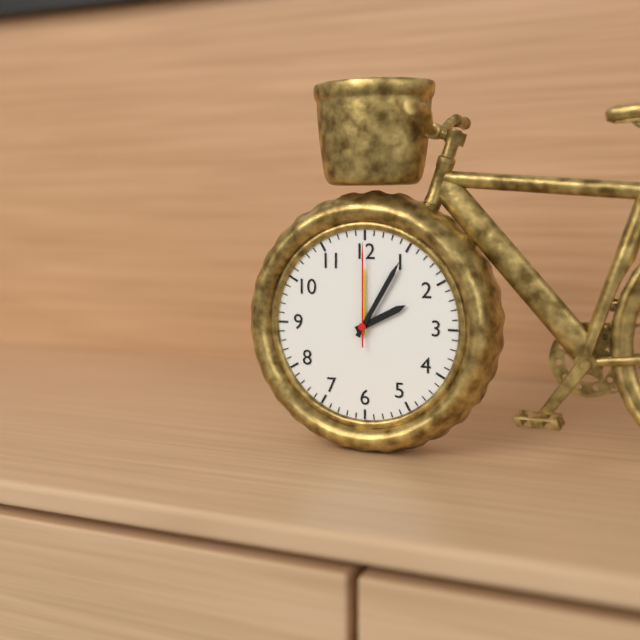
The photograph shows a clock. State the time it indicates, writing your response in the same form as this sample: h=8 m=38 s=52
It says h=2 m=5 s=0
